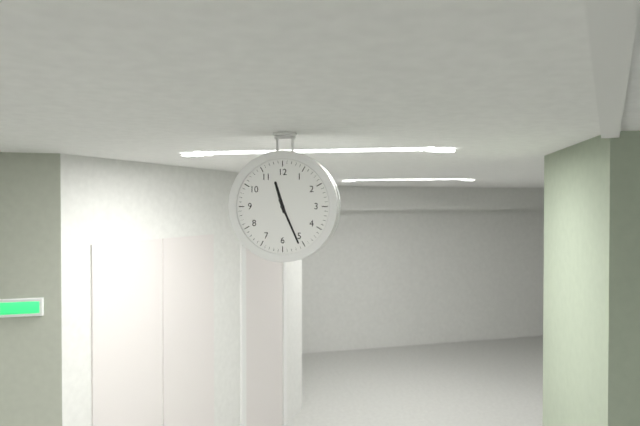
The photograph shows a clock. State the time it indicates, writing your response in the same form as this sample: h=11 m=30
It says h=11 m=26
